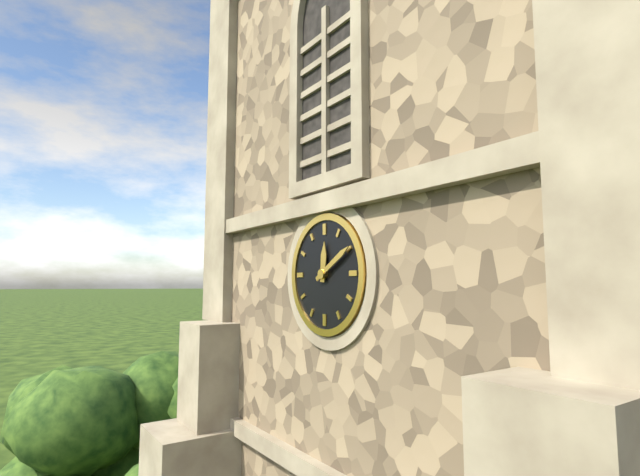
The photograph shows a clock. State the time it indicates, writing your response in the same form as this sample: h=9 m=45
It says h=12 m=10
